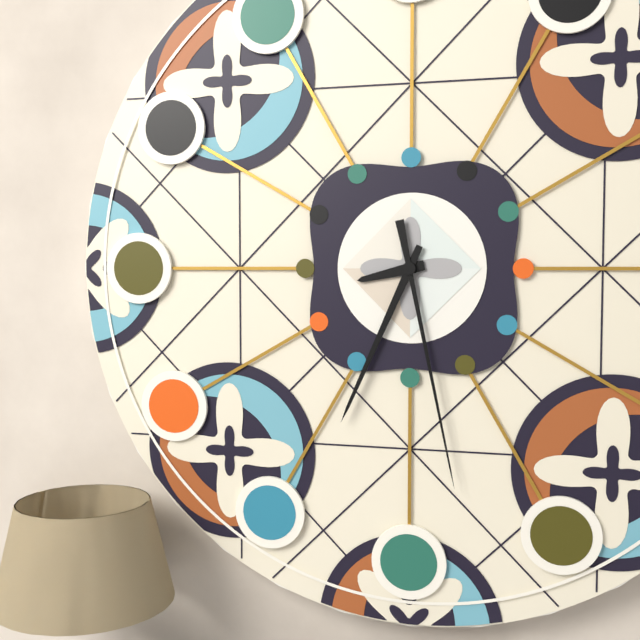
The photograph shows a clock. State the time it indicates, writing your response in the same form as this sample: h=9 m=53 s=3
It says h=8 m=34 s=28
